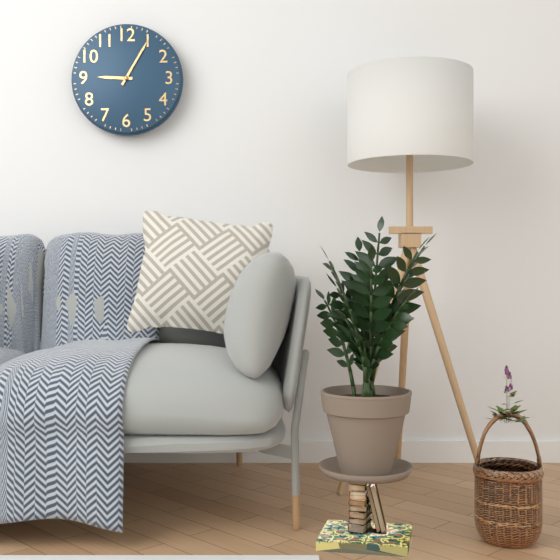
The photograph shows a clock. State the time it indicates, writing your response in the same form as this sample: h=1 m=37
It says h=9 m=5
